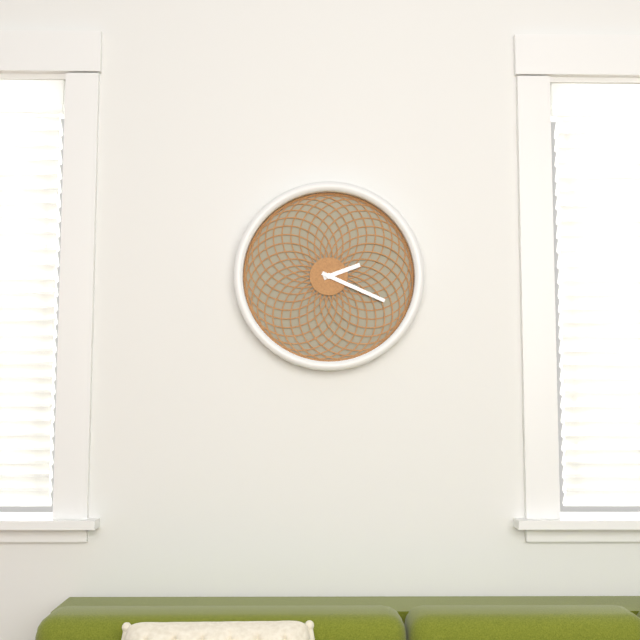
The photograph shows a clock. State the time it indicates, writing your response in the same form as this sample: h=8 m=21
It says h=2 m=19
